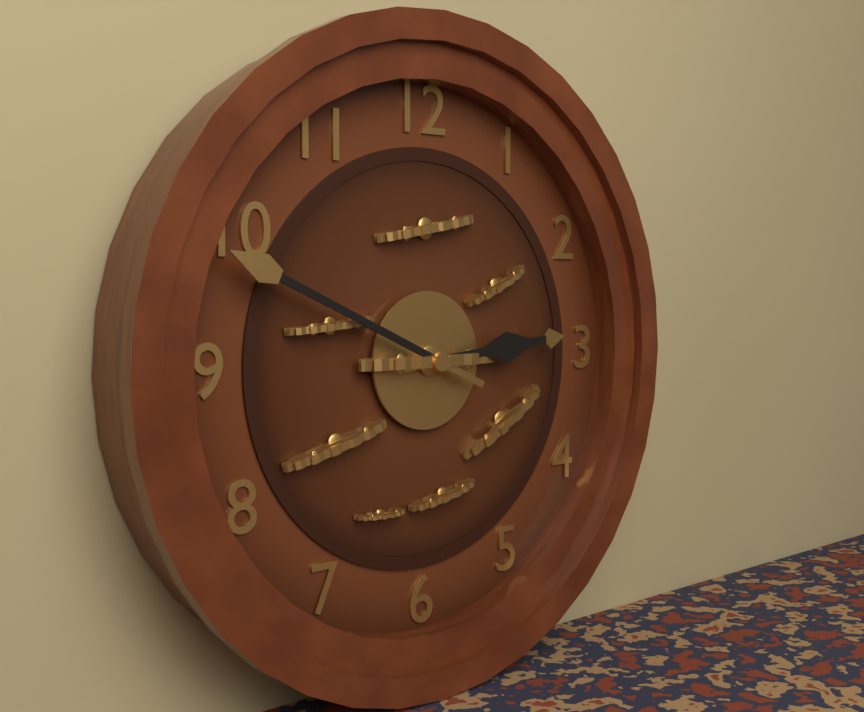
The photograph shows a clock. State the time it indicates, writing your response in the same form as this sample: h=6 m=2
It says h=2 m=49
